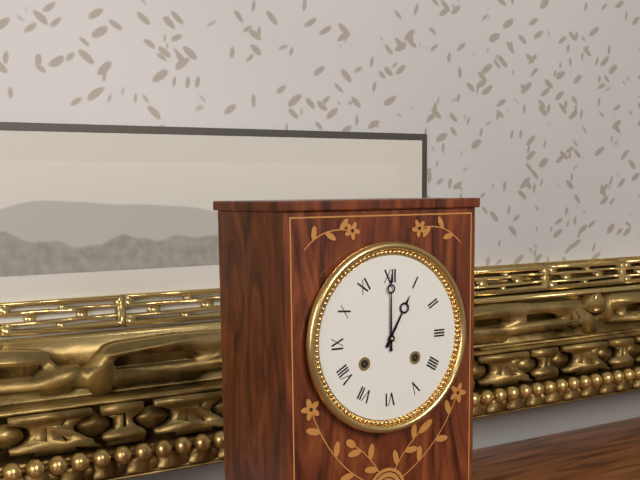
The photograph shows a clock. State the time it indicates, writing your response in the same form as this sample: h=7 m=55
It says h=1 m=0
